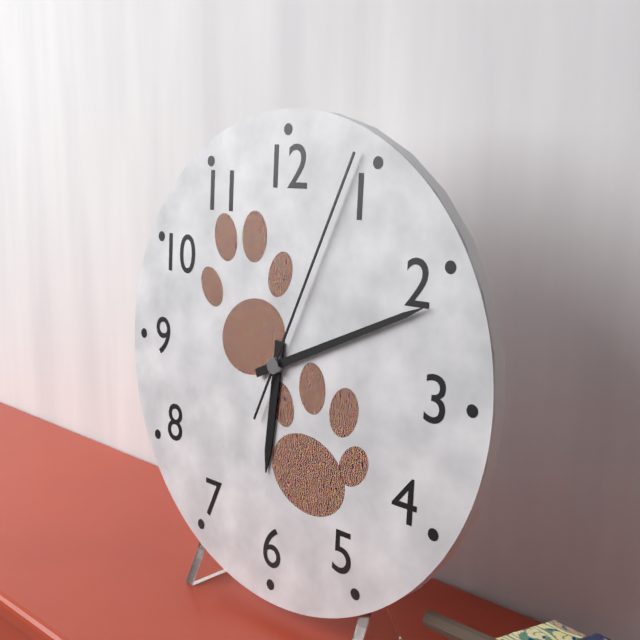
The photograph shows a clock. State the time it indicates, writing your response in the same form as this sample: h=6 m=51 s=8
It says h=6 m=11 s=4
